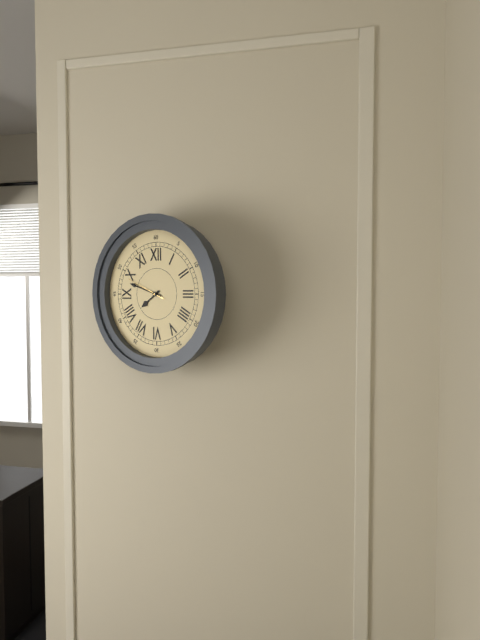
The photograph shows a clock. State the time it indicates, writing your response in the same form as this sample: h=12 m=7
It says h=7 m=48
